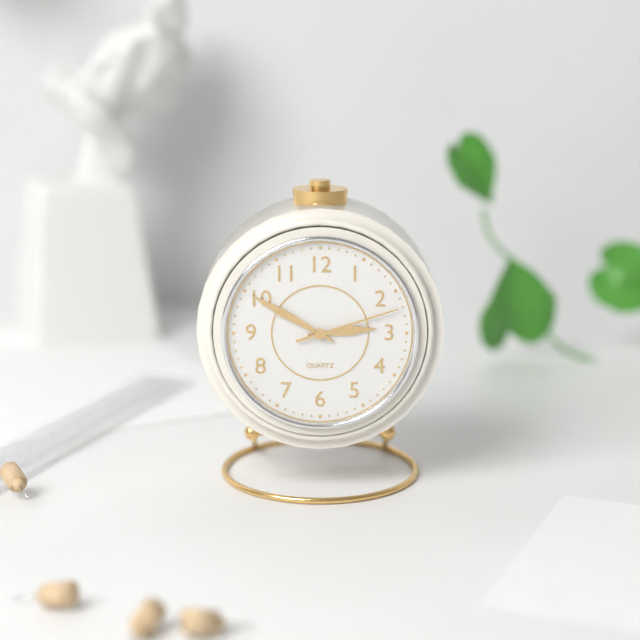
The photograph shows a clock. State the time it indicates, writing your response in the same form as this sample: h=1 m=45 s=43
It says h=2 m=50 s=12
